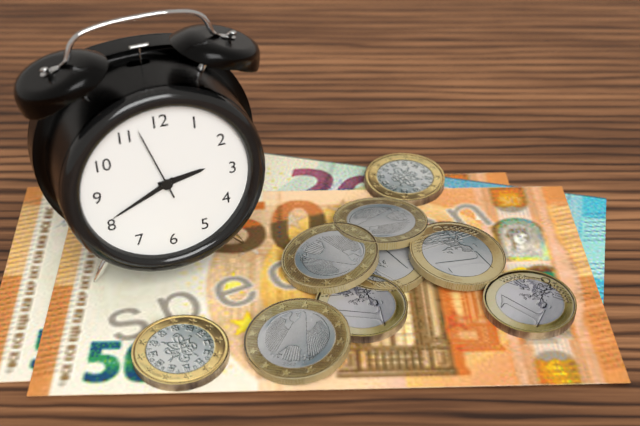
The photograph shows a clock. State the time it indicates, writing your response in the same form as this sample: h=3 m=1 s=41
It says h=2 m=41 s=57
